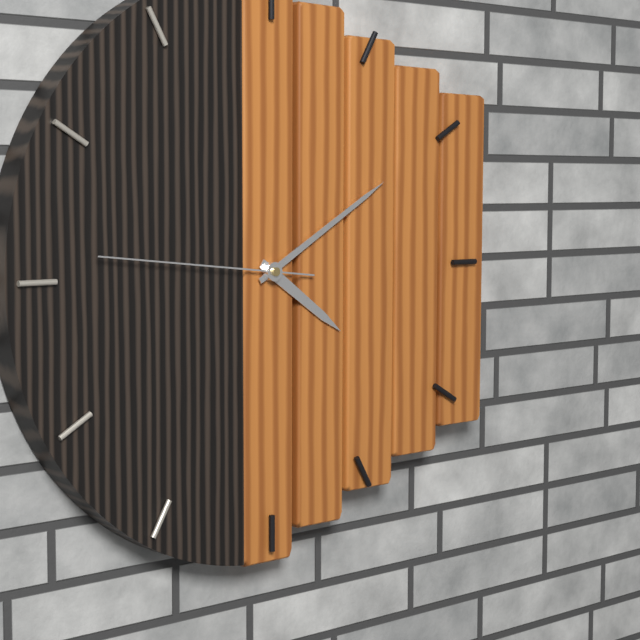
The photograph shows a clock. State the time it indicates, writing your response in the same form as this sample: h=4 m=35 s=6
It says h=4 m=10 s=46
